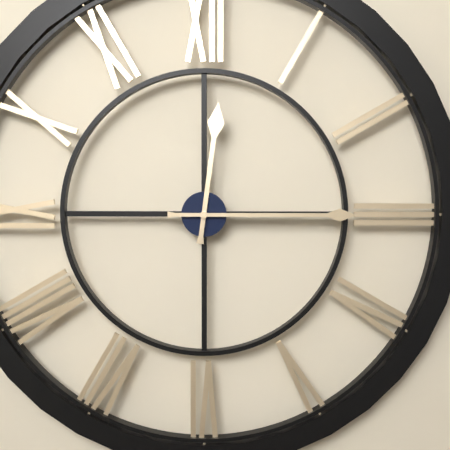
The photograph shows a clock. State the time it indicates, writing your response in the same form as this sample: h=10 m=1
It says h=12 m=15
